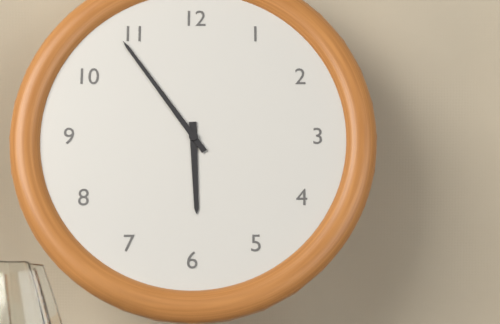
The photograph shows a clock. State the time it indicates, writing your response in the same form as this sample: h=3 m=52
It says h=5 m=54
